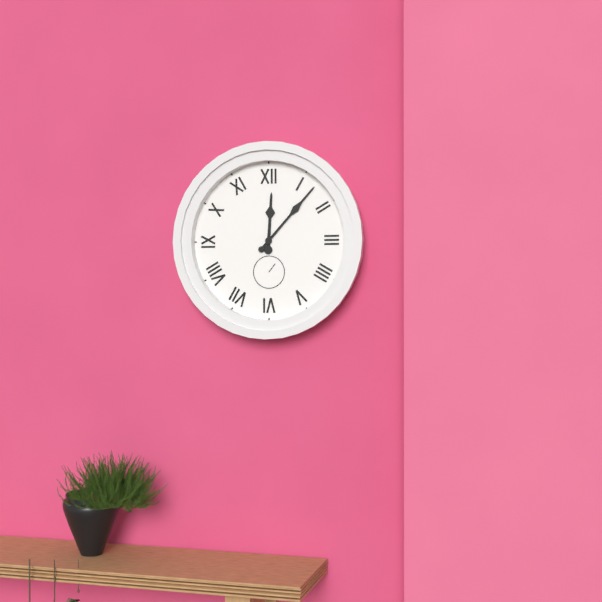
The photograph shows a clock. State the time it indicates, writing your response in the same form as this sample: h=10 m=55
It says h=12 m=7
